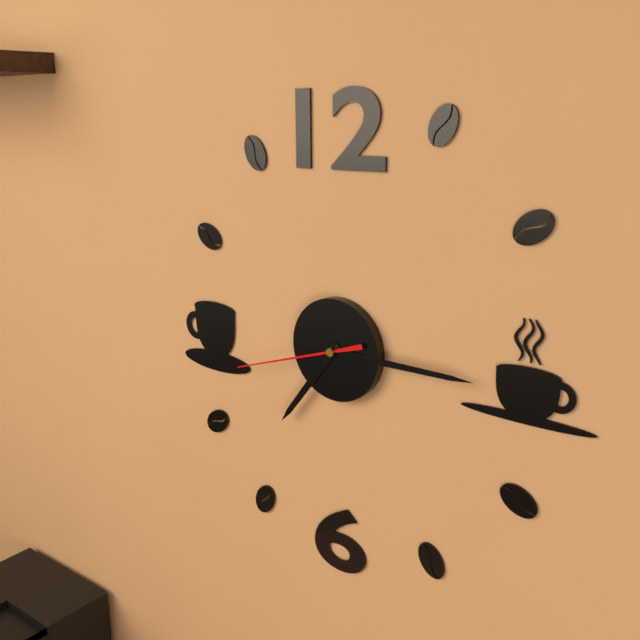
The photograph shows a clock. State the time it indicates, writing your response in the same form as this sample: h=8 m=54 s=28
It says h=7 m=15 s=42
